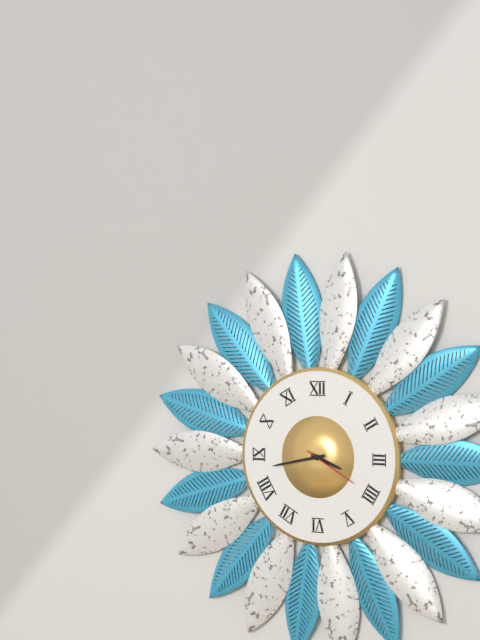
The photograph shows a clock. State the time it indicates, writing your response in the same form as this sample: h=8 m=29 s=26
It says h=3 m=43 s=20
